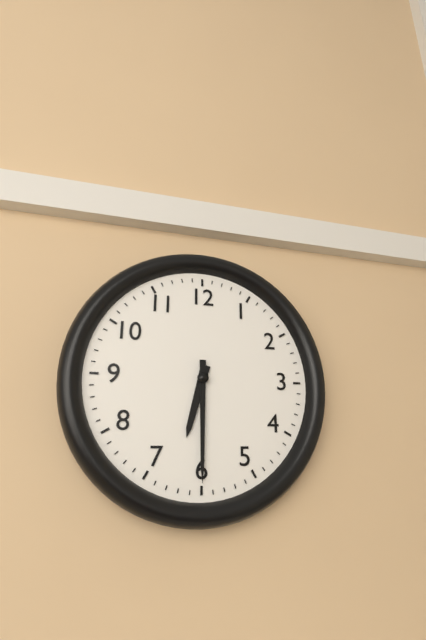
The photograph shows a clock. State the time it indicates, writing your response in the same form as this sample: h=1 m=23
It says h=6 m=30
